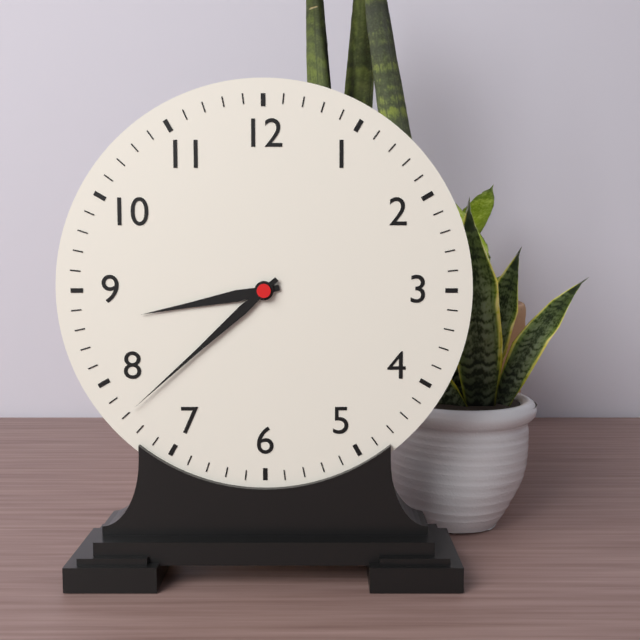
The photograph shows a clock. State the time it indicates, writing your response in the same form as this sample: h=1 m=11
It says h=8 m=38
